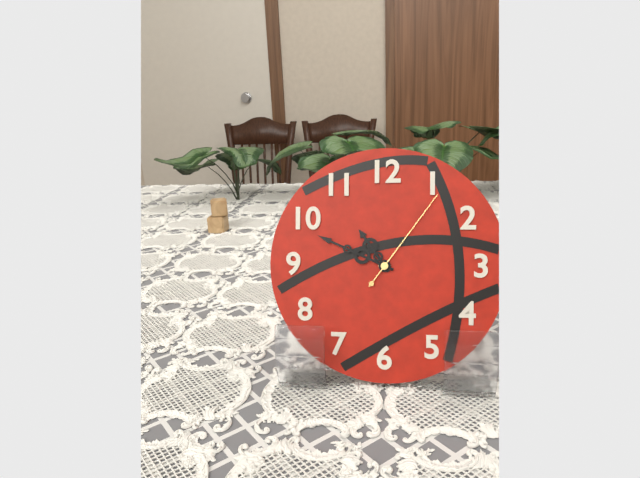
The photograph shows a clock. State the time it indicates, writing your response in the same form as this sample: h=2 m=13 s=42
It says h=10 m=49 s=6
